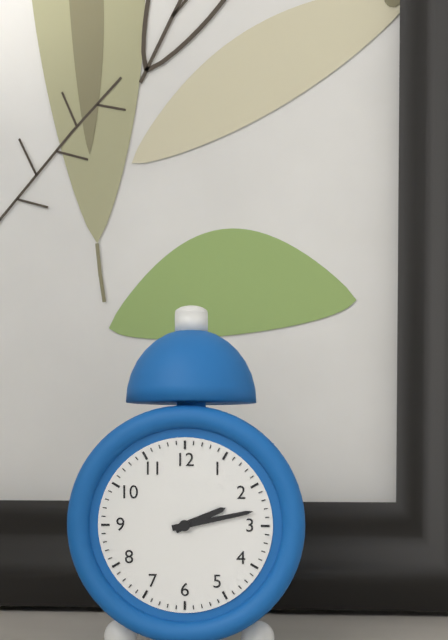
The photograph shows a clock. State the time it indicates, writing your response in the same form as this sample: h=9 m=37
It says h=2 m=13
